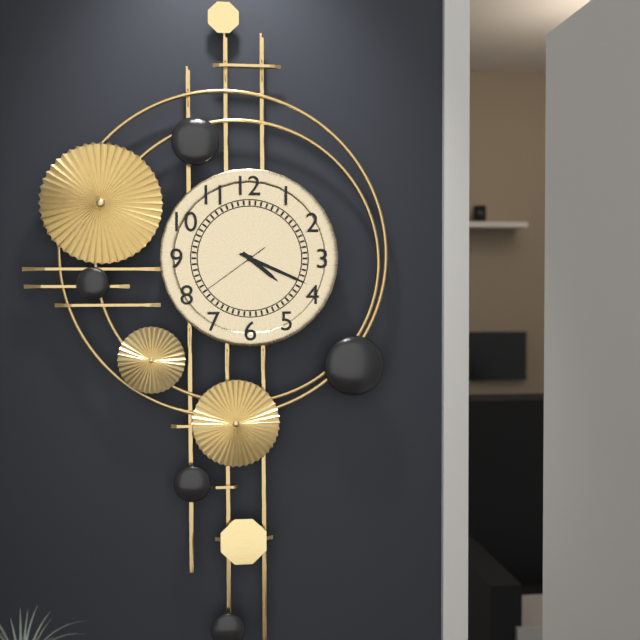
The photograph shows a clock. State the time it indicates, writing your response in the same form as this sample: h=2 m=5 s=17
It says h=4 m=19 s=39
